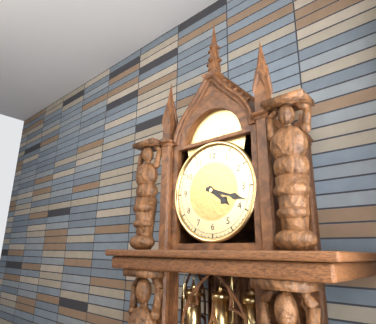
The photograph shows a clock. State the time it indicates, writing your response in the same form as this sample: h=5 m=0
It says h=4 m=18
